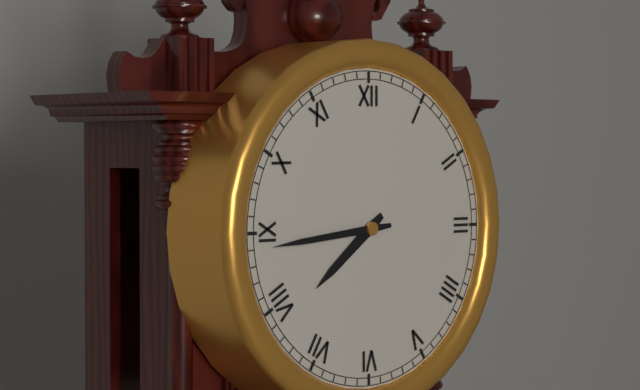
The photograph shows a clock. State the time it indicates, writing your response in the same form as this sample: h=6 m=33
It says h=7 m=44
